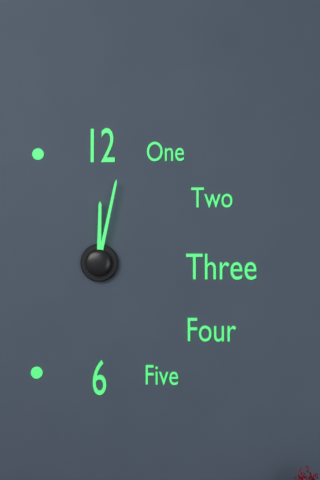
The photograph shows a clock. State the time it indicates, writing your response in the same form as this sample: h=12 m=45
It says h=12 m=2
